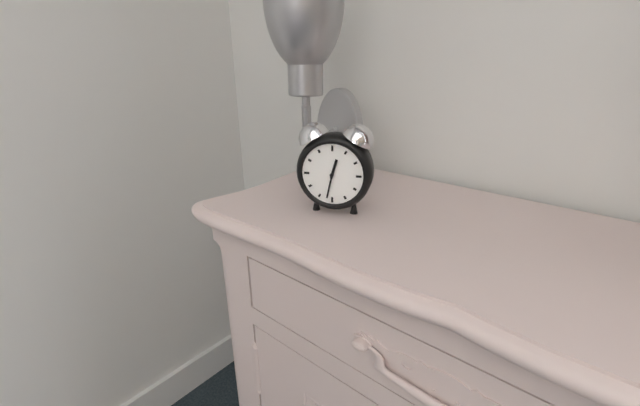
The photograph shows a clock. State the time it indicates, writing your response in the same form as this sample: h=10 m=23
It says h=12 m=32
